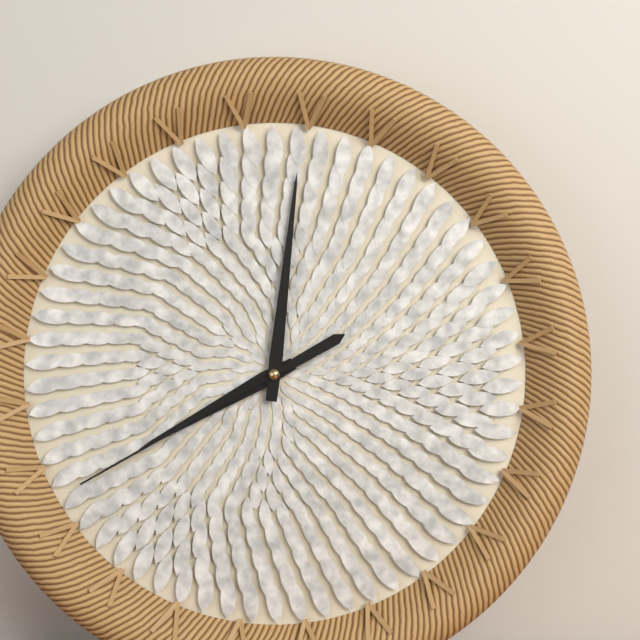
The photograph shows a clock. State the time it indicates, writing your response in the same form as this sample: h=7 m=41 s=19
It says h=8 m=1 s=40
